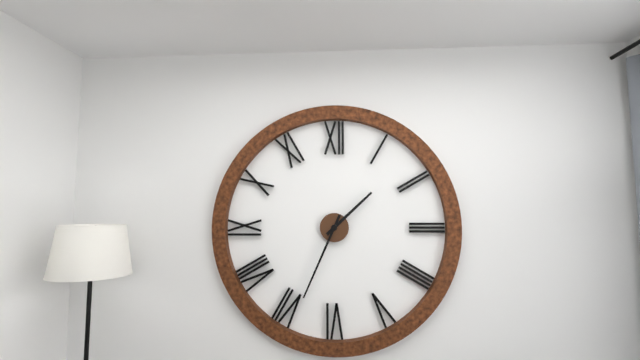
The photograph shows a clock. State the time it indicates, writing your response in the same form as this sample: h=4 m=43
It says h=1 m=34
